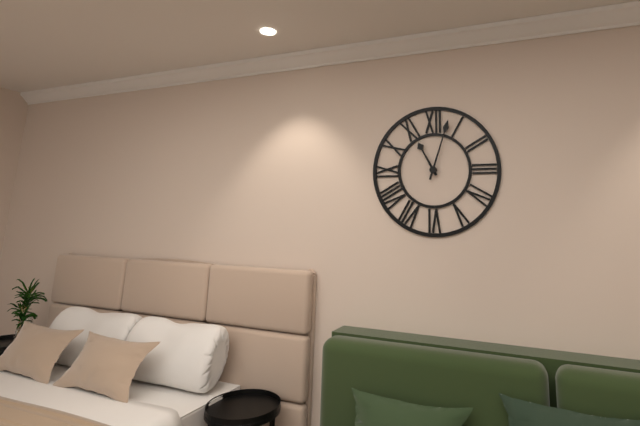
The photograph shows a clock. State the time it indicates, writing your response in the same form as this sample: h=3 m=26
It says h=11 m=3
